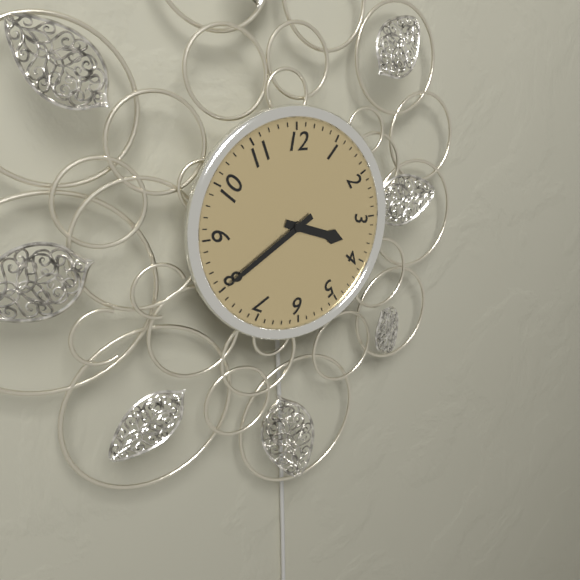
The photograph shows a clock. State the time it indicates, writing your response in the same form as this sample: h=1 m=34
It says h=3 m=40
